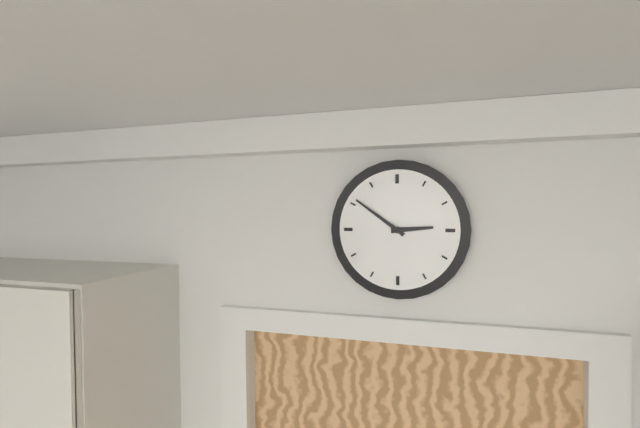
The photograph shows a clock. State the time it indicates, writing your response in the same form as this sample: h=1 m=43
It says h=2 m=51
